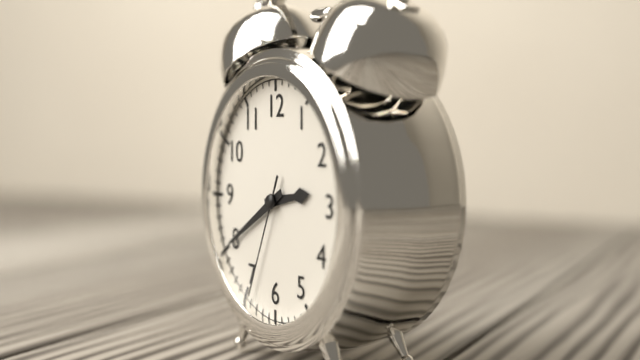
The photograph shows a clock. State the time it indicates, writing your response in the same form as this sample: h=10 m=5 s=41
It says h=2 m=40 s=34
